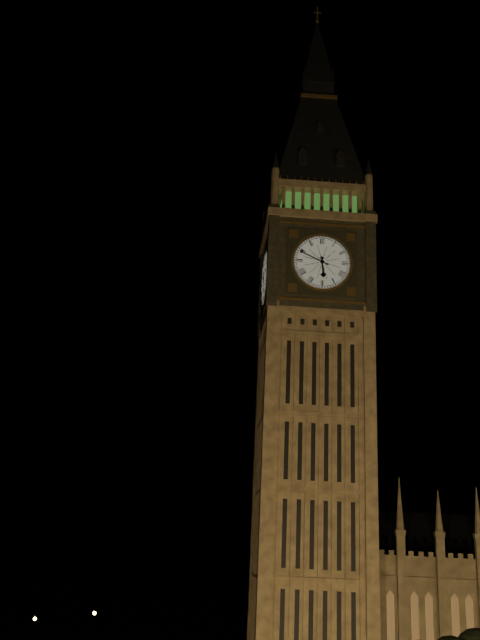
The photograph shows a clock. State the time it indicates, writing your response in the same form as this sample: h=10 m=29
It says h=5 m=49
